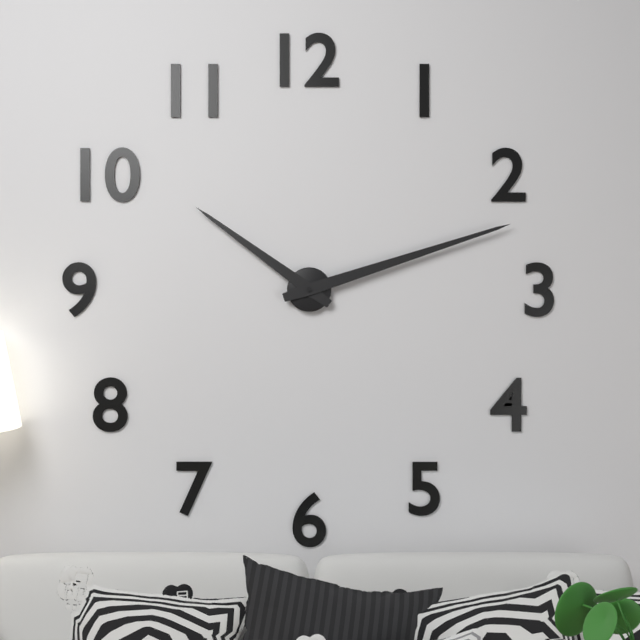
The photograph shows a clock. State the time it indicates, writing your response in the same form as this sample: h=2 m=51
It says h=10 m=12
